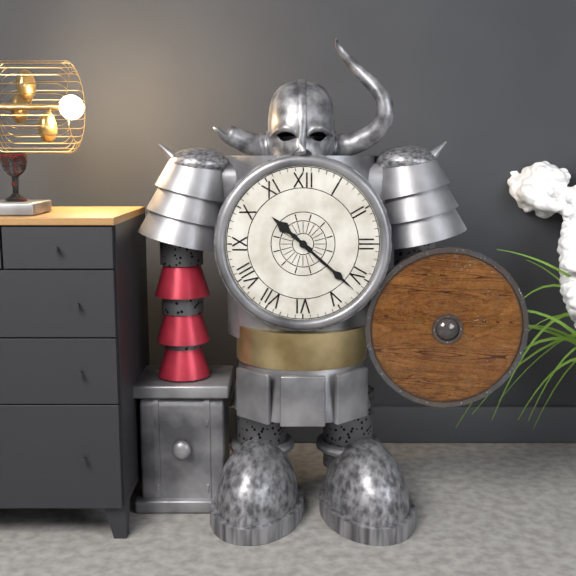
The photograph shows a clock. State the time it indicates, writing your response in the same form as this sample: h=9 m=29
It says h=10 m=22
